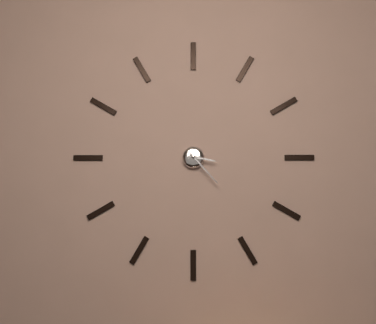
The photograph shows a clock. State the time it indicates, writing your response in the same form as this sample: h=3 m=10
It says h=3 m=23
